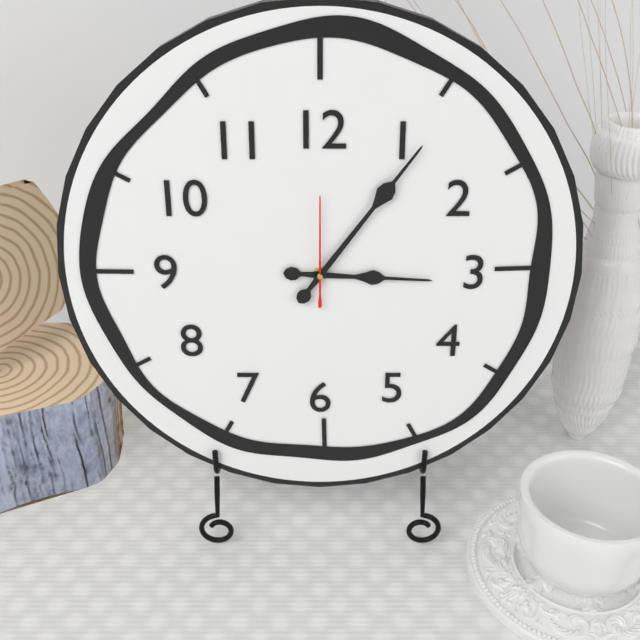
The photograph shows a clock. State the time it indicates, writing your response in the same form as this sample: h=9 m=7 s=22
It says h=3 m=6 s=0
